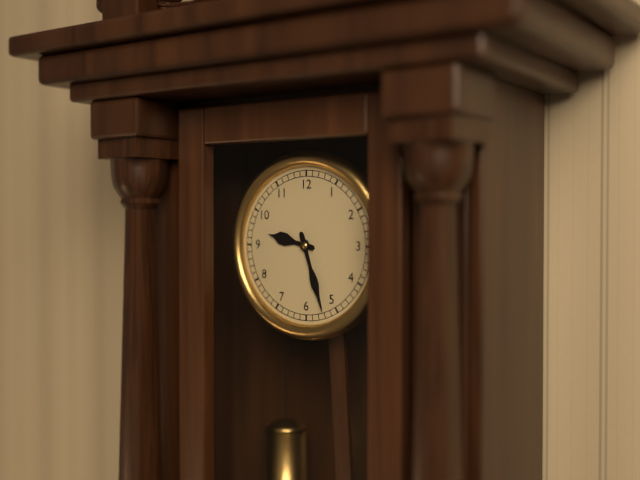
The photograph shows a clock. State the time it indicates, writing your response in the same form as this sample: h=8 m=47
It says h=9 m=27
